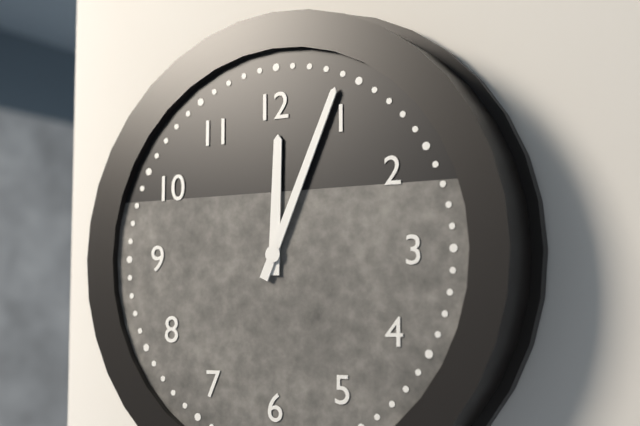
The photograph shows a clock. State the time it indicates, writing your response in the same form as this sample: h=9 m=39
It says h=12 m=4
